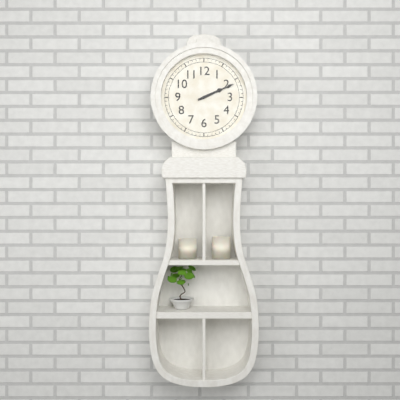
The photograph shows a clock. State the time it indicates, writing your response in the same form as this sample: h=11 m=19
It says h=2 m=11
